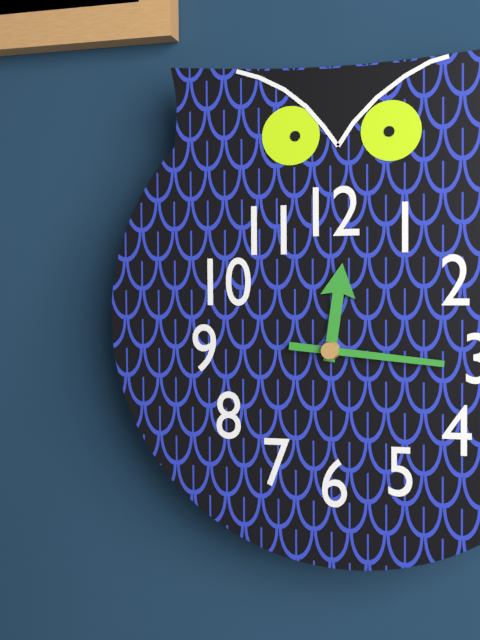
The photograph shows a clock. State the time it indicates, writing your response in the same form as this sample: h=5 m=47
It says h=12 m=16
